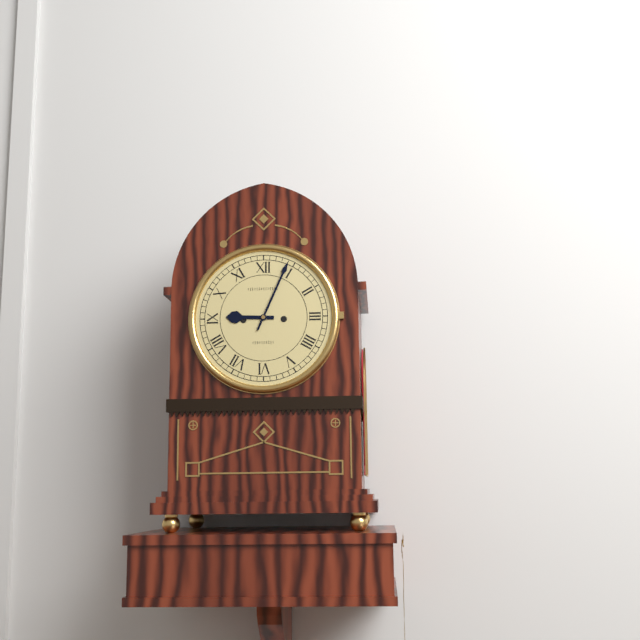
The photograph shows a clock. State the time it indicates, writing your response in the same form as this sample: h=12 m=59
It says h=9 m=4
